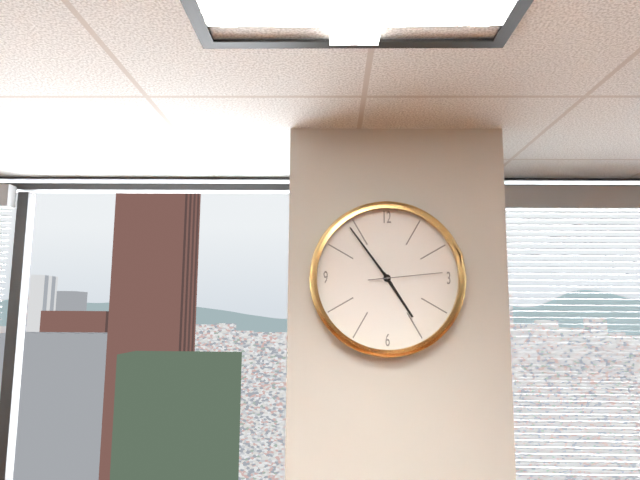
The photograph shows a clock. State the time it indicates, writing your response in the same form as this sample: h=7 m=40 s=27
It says h=4 m=54 s=14
